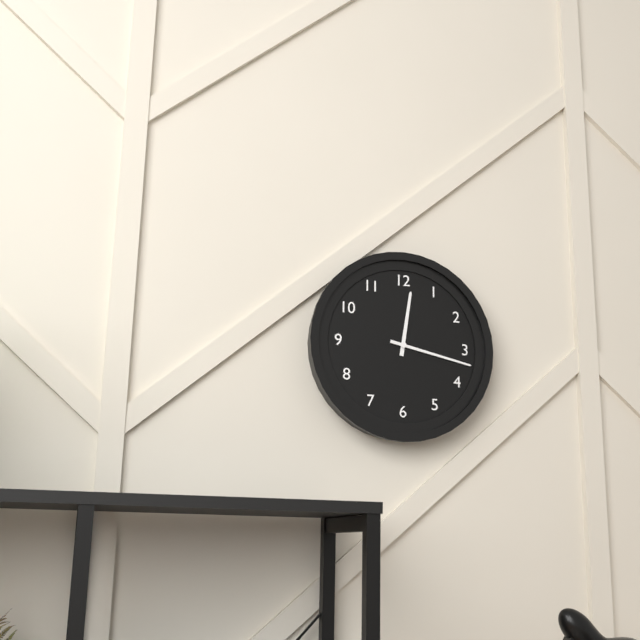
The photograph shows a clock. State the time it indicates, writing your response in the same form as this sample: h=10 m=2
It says h=12 m=17
